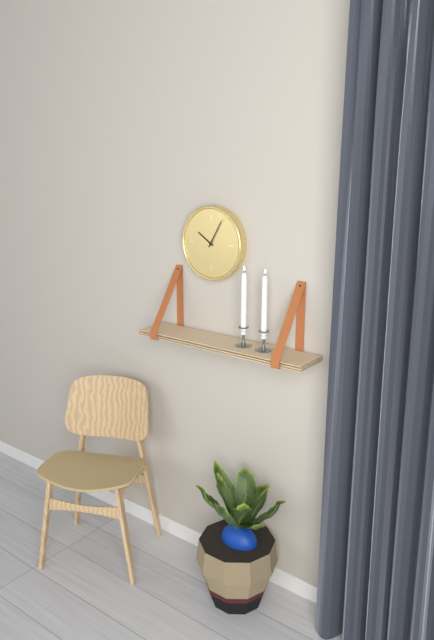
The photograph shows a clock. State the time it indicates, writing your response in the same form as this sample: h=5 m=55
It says h=10 m=5
